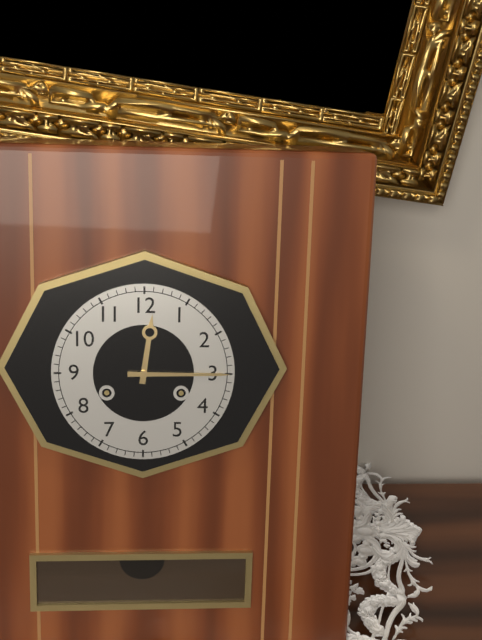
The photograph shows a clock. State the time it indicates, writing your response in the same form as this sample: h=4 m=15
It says h=12 m=15
